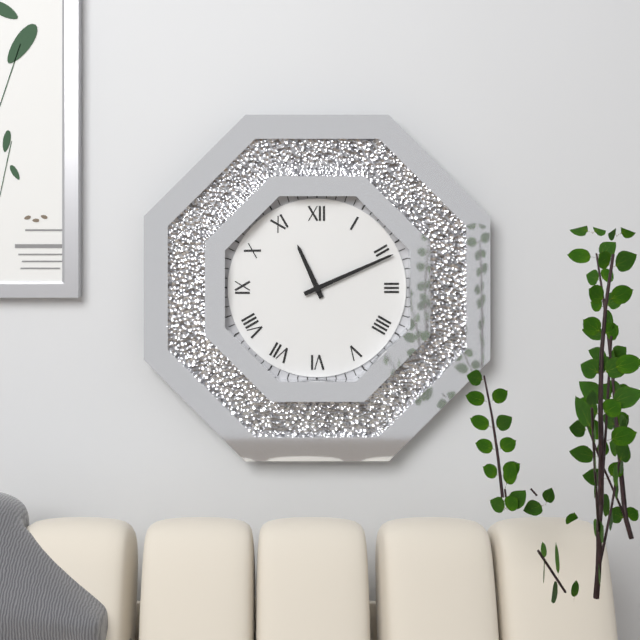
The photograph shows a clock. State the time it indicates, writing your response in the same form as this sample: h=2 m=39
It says h=11 m=11
